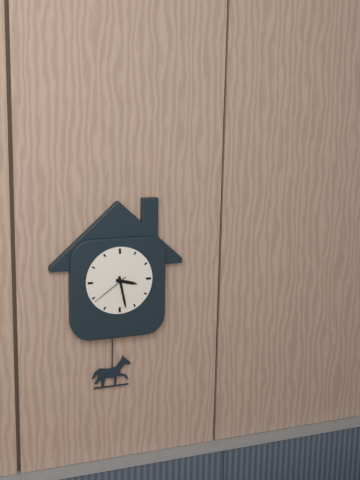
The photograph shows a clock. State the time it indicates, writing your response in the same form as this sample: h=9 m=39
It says h=3 m=28
